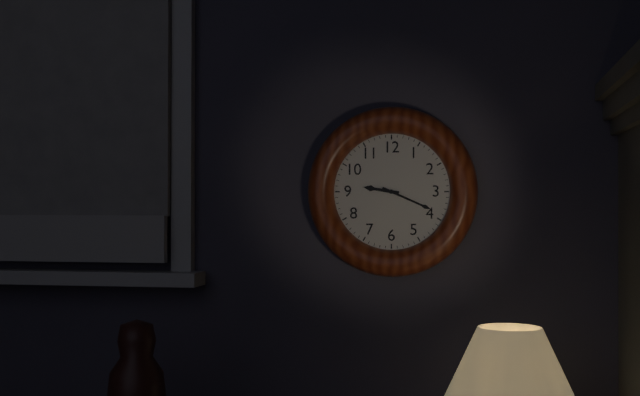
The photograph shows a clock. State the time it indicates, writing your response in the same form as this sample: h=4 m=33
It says h=9 m=19
